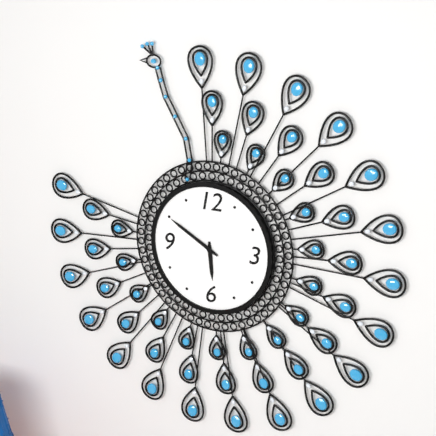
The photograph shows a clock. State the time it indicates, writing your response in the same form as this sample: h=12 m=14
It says h=5 m=50
